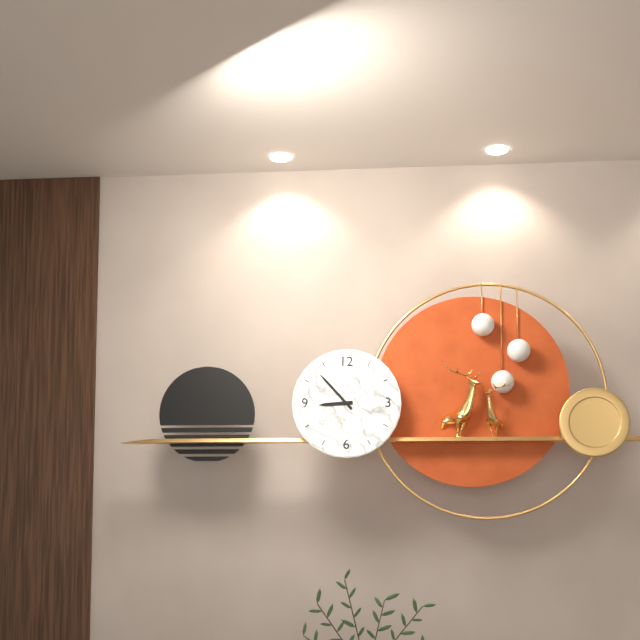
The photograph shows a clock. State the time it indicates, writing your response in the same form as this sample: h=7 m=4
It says h=8 m=53
